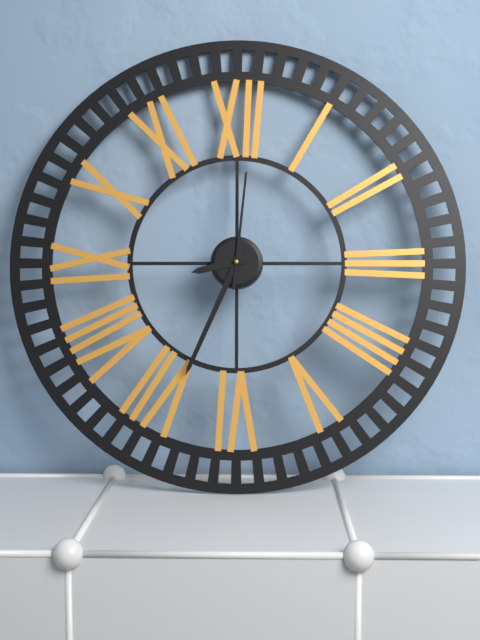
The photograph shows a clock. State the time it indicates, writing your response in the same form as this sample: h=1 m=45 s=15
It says h=8 m=34 s=1
